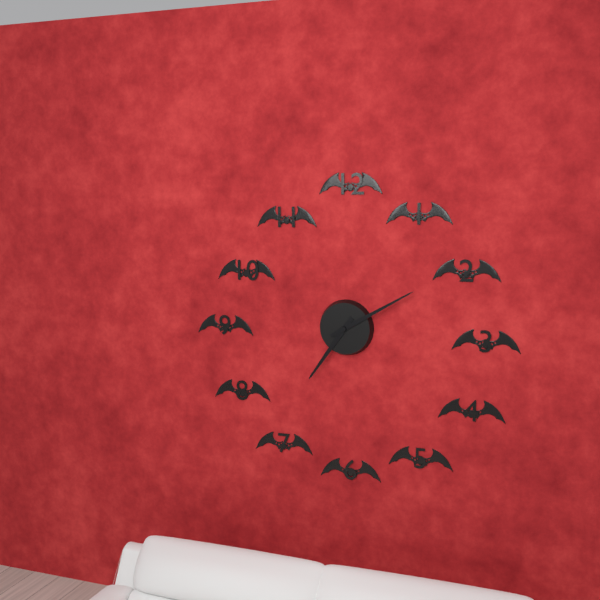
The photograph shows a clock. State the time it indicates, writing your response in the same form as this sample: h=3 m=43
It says h=7 m=10
